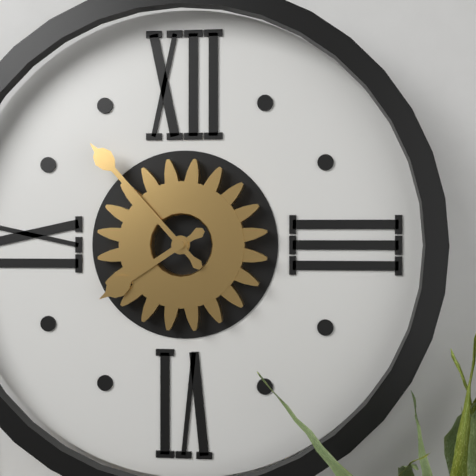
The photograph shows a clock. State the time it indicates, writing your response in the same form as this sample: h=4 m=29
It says h=7 m=53
